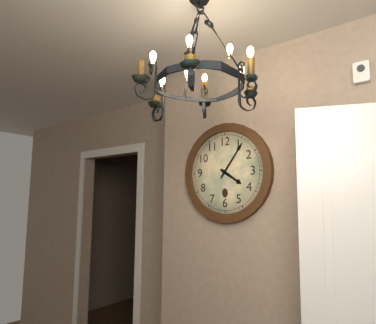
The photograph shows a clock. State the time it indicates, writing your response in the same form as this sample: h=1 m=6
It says h=4 m=6
